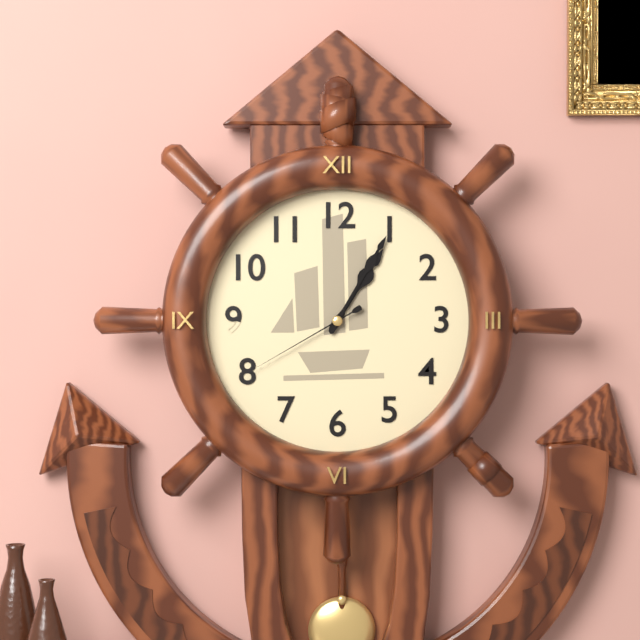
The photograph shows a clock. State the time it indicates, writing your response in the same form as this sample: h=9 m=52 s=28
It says h=1 m=5 s=40
